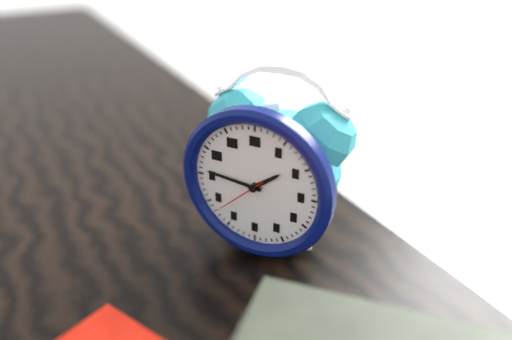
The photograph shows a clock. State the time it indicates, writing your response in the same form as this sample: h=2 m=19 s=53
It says h=1 m=46 s=38
